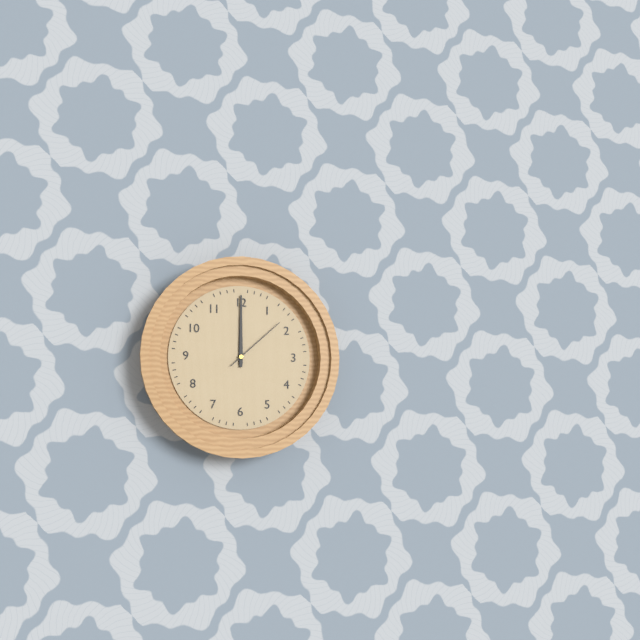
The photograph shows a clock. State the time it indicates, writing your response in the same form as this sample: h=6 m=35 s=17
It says h=12 m=0 s=8
